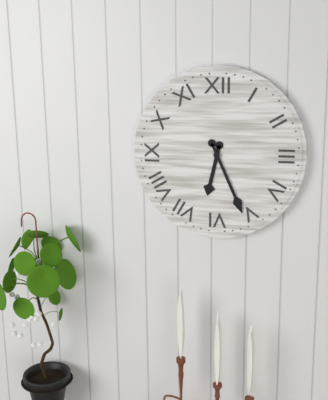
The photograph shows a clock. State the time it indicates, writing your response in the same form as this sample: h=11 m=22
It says h=6 m=26
